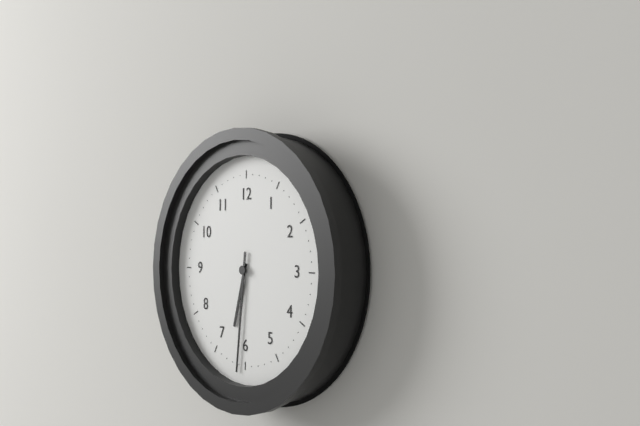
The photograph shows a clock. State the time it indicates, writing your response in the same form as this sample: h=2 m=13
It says h=6 m=31
